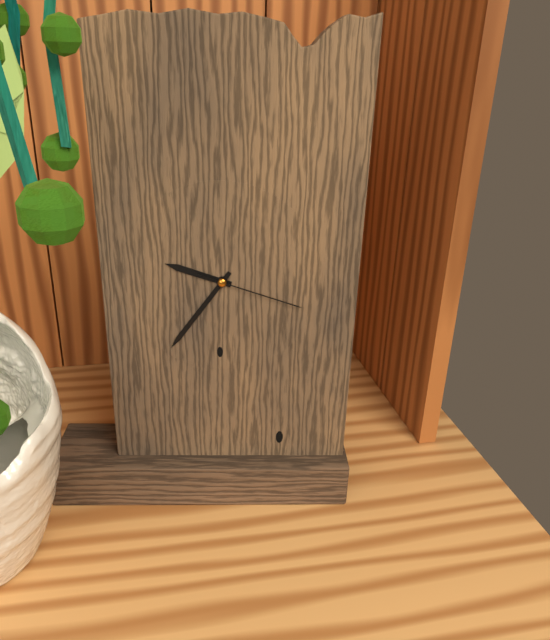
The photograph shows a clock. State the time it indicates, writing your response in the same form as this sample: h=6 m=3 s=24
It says h=9 m=36 s=18
